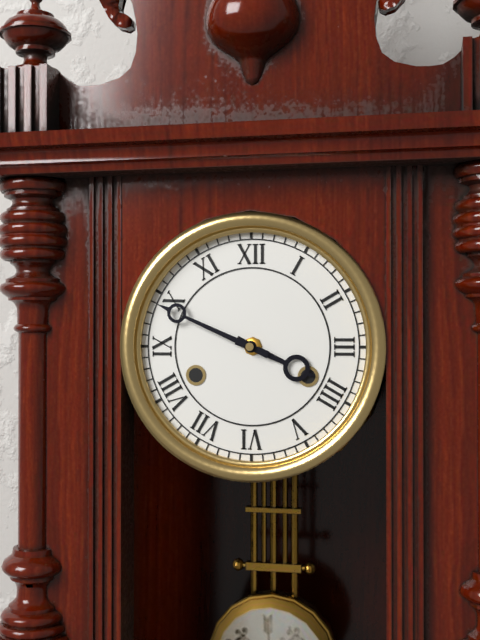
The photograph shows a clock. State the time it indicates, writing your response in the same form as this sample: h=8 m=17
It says h=3 m=49
